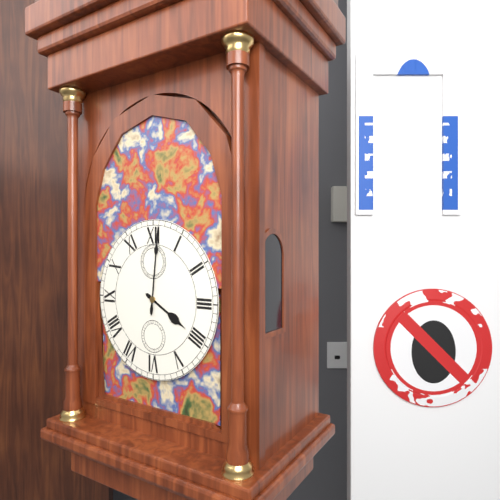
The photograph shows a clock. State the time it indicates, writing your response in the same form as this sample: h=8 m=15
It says h=4 m=1
